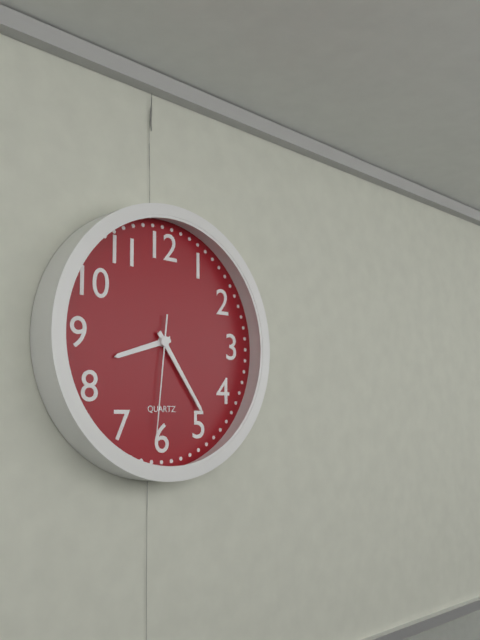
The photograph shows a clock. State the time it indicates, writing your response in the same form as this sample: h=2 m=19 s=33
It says h=8 m=24 s=31
